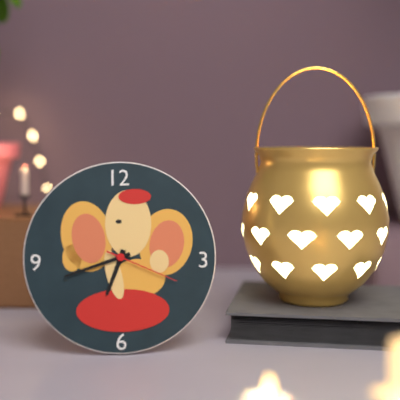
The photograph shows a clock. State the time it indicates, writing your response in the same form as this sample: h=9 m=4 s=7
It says h=6 m=42 s=19
